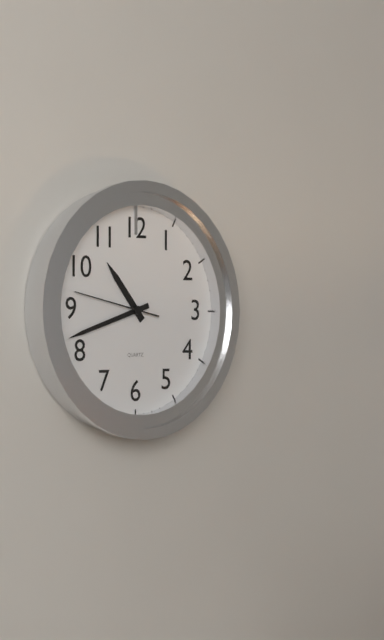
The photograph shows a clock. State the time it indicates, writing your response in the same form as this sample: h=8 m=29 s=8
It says h=10 m=42 s=47
